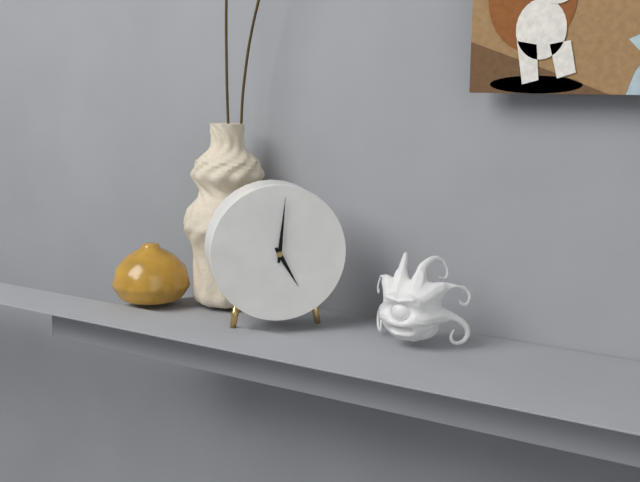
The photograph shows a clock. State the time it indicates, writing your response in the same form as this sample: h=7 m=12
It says h=5 m=1
